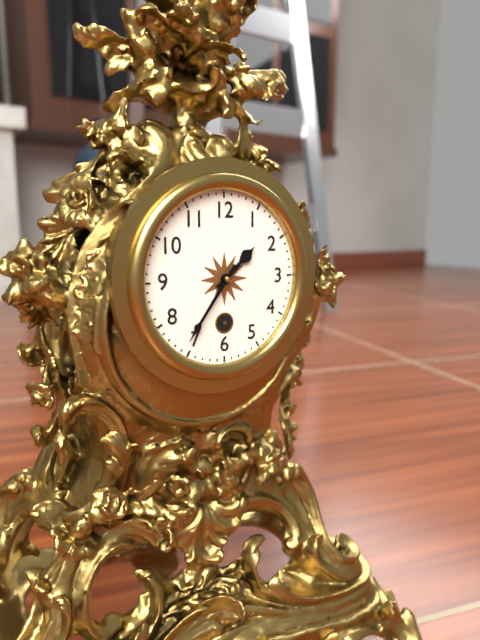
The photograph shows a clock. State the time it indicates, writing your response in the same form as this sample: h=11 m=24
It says h=1 m=36
